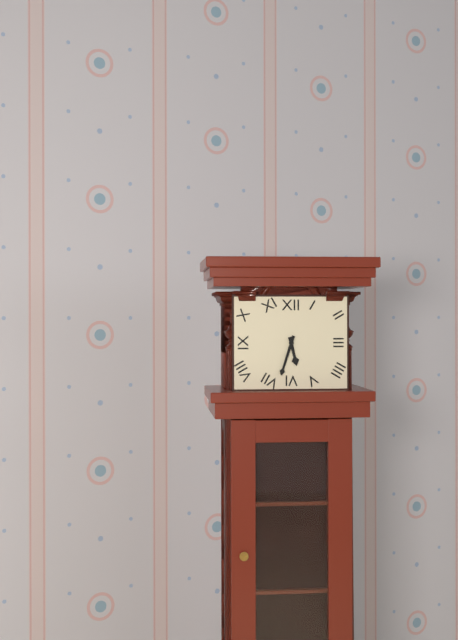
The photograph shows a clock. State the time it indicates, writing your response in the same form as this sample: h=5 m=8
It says h=5 m=33
